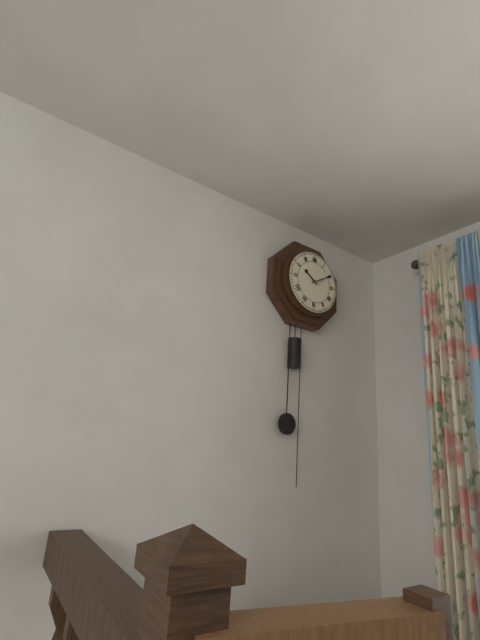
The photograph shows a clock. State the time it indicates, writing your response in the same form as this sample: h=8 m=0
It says h=10 m=10
